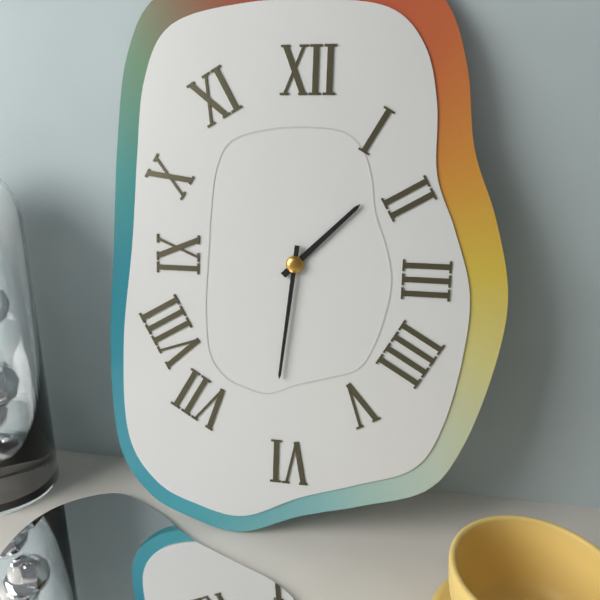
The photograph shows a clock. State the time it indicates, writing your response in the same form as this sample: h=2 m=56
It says h=1 m=31
